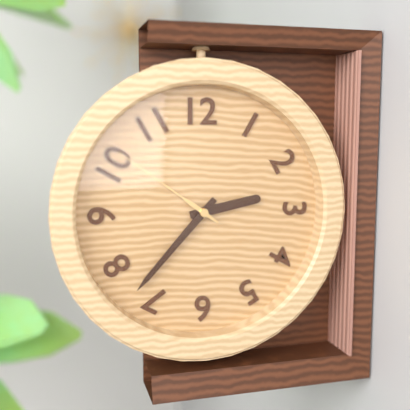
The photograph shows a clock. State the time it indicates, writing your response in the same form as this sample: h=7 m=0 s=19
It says h=2 m=37 s=51
